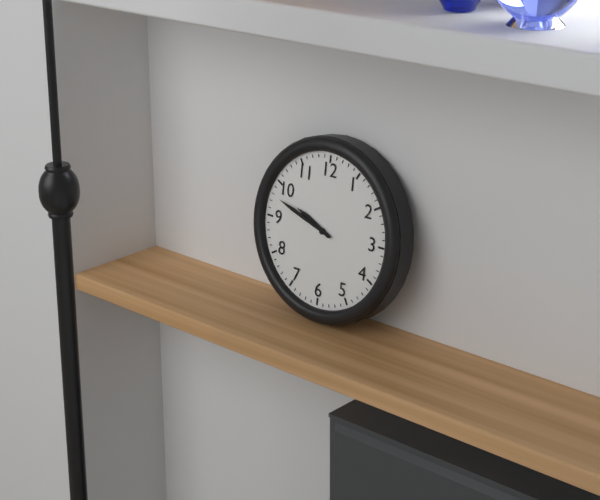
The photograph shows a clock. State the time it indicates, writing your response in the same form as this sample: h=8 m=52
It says h=9 m=48
